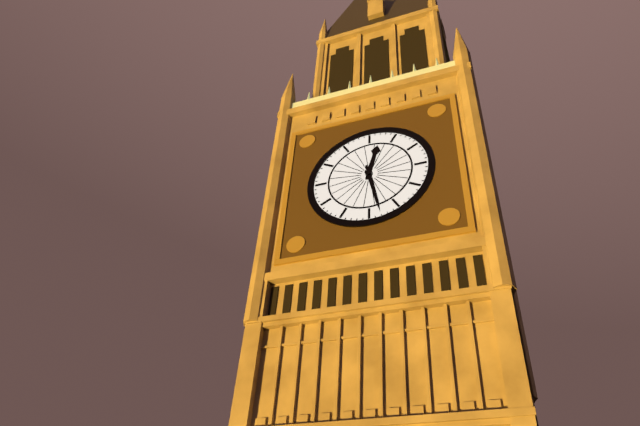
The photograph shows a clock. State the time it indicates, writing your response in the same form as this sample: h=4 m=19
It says h=12 m=28
